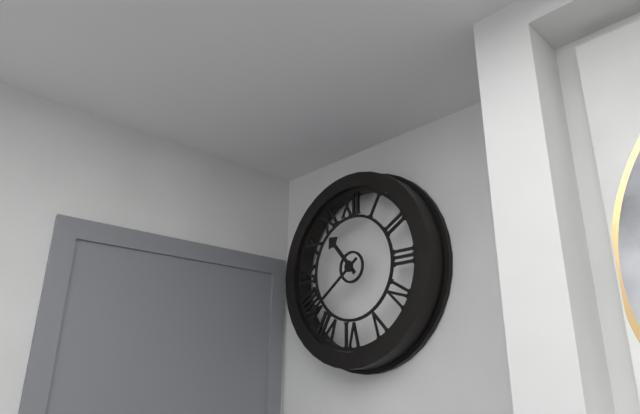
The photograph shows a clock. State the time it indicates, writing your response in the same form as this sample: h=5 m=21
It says h=10 m=39
